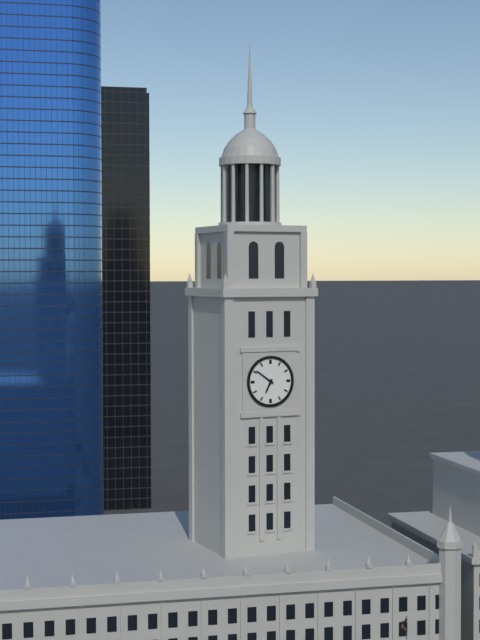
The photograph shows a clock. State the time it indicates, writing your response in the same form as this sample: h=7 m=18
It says h=6 m=51
